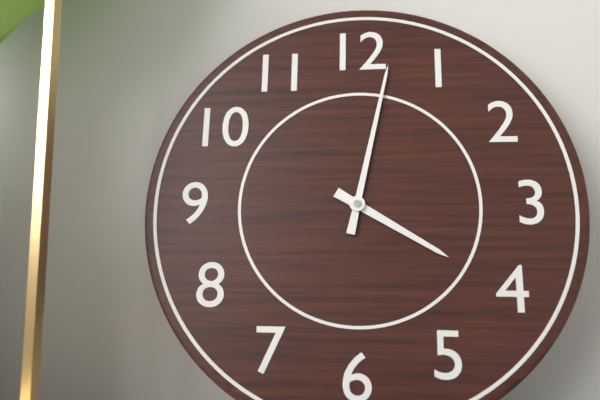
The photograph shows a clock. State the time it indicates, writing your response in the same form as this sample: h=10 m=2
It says h=4 m=2
